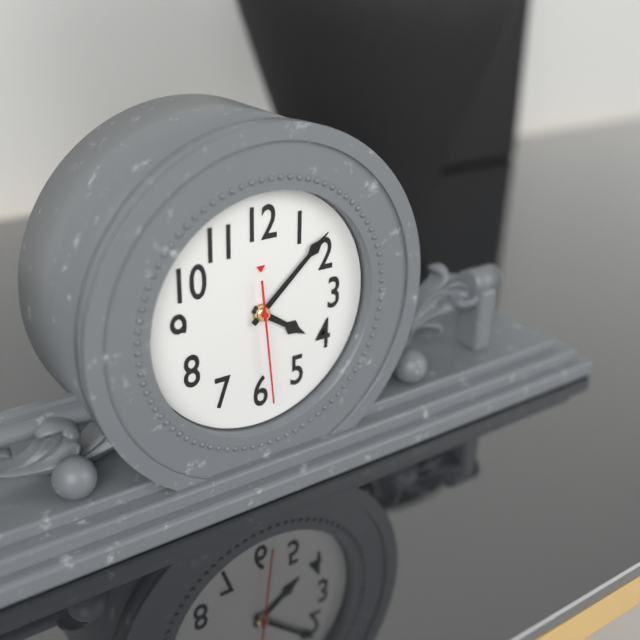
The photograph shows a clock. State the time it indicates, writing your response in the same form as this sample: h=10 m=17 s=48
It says h=4 m=8 s=29
